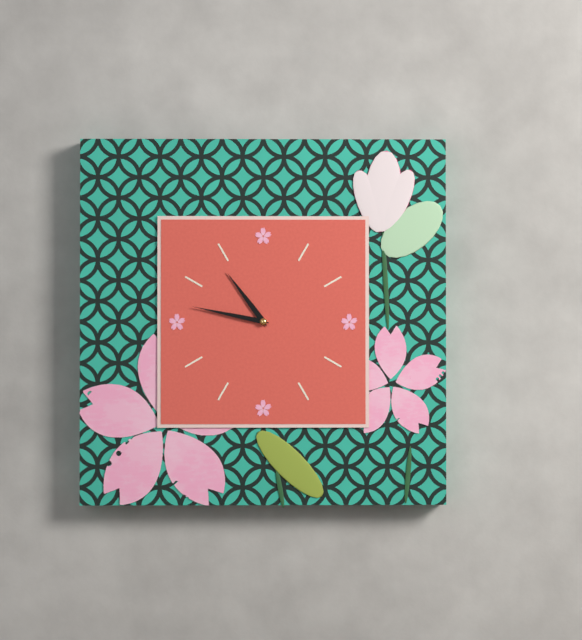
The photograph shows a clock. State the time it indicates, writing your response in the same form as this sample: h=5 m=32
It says h=10 m=47
